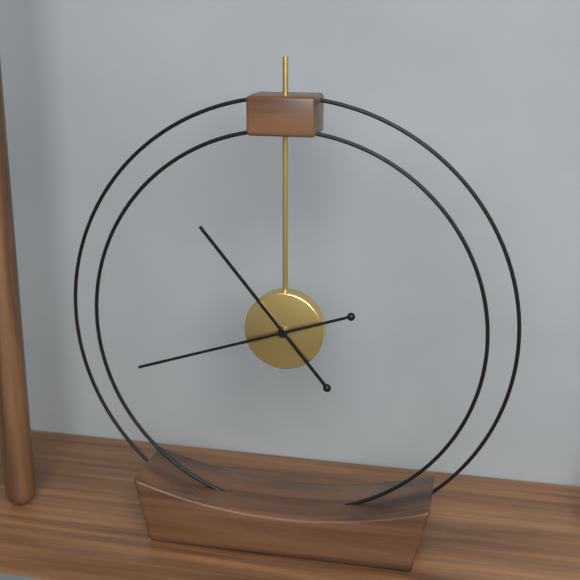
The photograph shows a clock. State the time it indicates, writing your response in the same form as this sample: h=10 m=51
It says h=10 m=42
